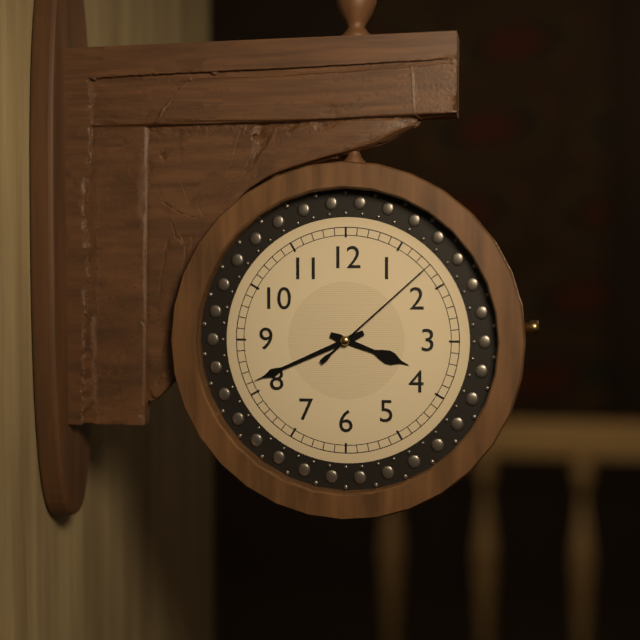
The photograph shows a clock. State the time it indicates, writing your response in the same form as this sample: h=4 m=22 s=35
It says h=3 m=41 s=8
